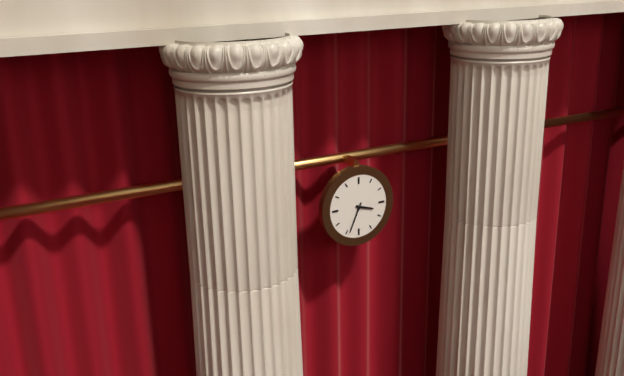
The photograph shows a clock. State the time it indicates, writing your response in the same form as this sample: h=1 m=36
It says h=3 m=34
